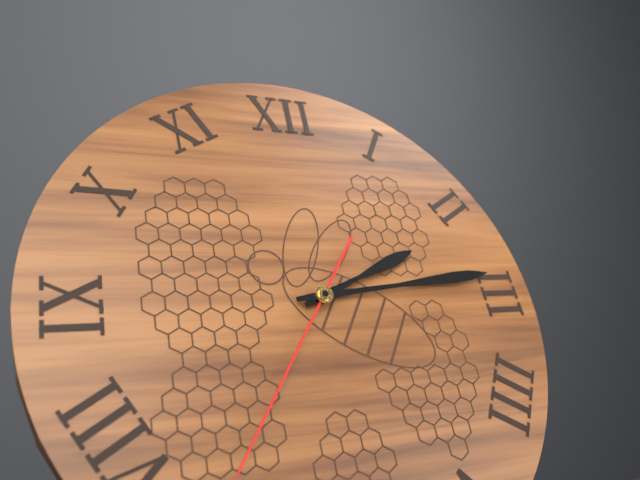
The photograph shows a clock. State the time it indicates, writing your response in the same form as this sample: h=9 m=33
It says h=2 m=14
